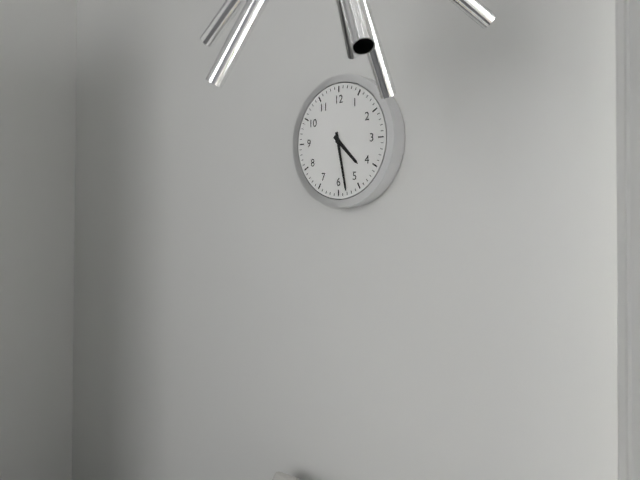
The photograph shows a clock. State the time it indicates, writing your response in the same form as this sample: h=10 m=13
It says h=4 m=28
